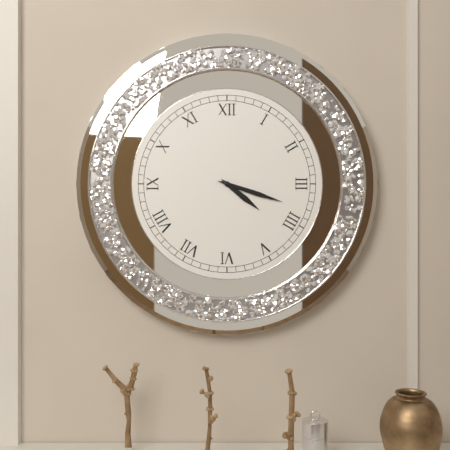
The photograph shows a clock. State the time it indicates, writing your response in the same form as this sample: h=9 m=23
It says h=4 m=18
